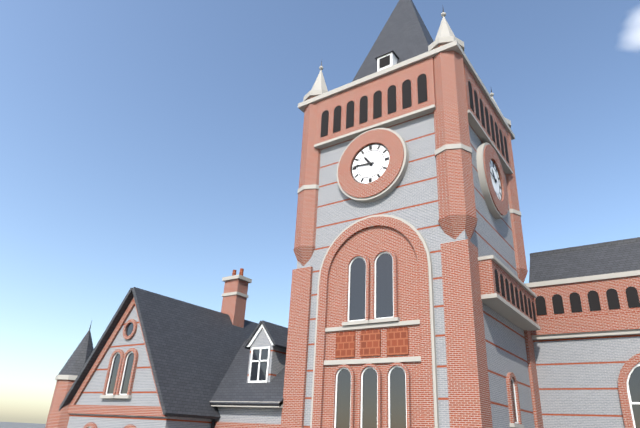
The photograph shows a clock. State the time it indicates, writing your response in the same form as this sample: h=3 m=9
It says h=10 m=46
